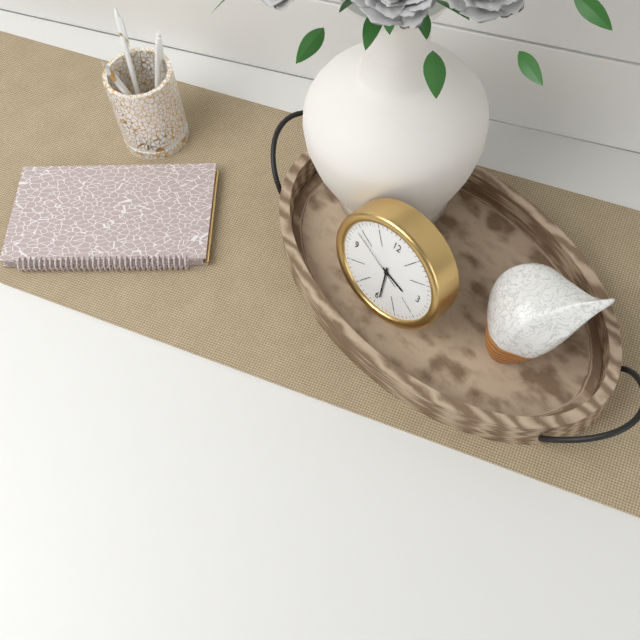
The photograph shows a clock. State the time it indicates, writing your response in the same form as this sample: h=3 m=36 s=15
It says h=3 m=29 s=49
